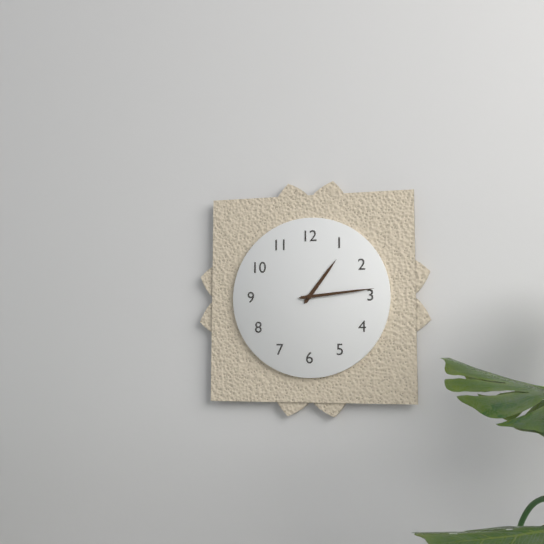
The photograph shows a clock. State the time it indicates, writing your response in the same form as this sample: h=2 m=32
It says h=1 m=14
